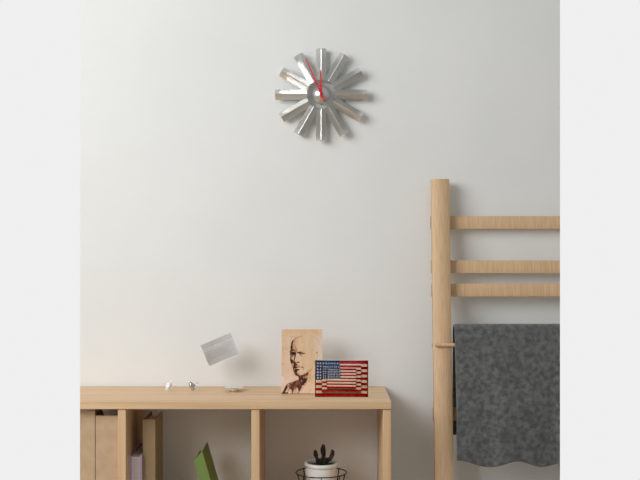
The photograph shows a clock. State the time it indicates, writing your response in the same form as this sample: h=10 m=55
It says h=11 m=56
